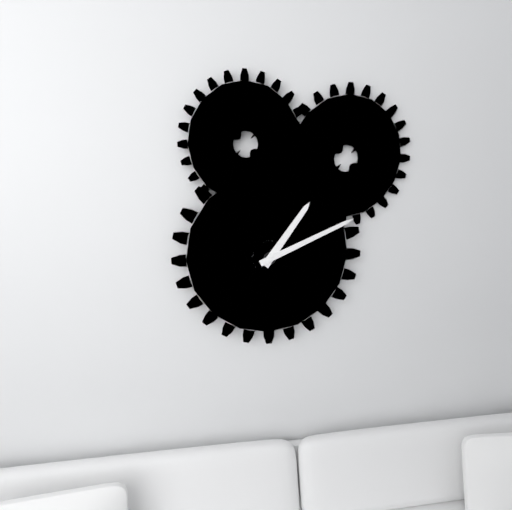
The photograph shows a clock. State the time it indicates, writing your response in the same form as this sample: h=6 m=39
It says h=1 m=11
